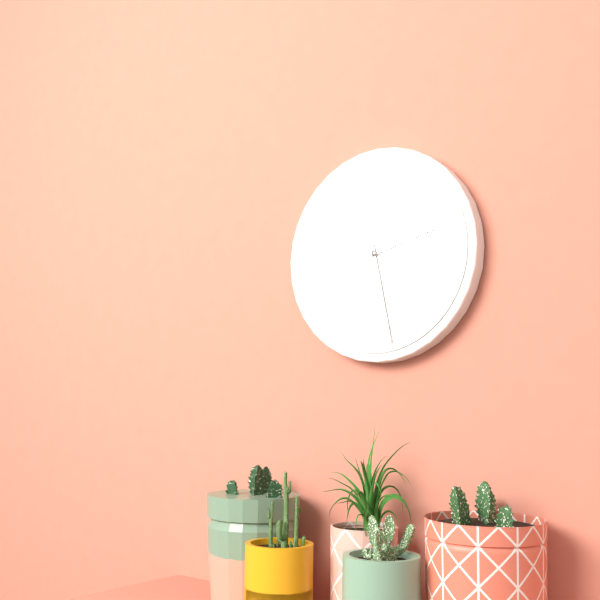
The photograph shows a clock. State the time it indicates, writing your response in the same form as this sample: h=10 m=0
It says h=2 m=28
